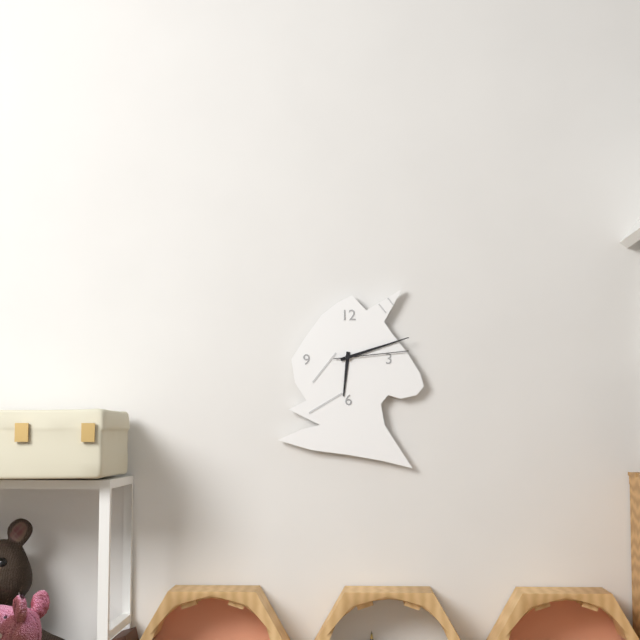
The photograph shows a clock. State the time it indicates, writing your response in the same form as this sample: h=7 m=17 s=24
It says h=6 m=12 s=14
